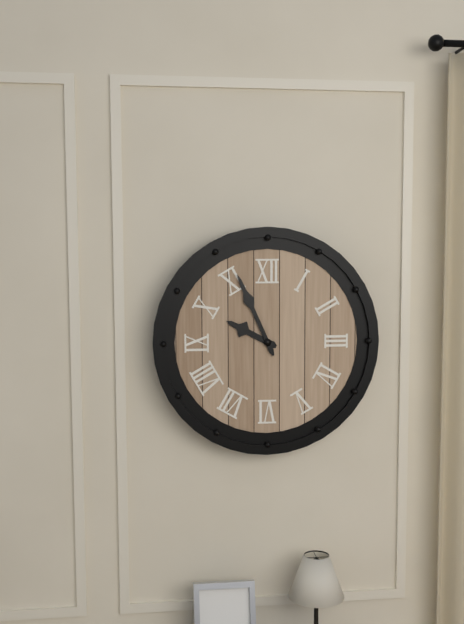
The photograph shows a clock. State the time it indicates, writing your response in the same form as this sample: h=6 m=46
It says h=9 m=56
